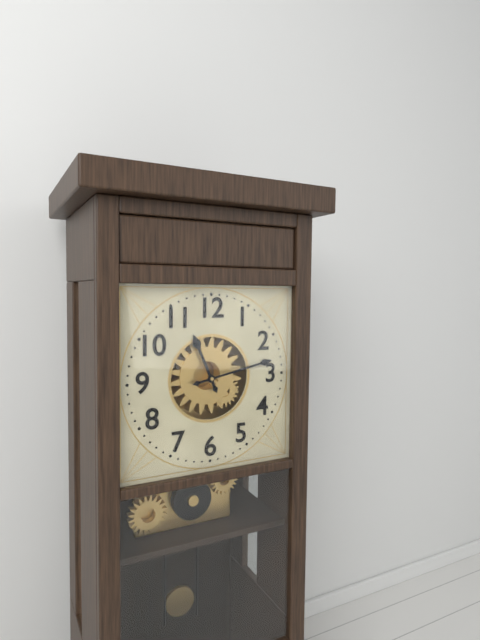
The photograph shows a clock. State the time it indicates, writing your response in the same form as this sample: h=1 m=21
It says h=11 m=13
